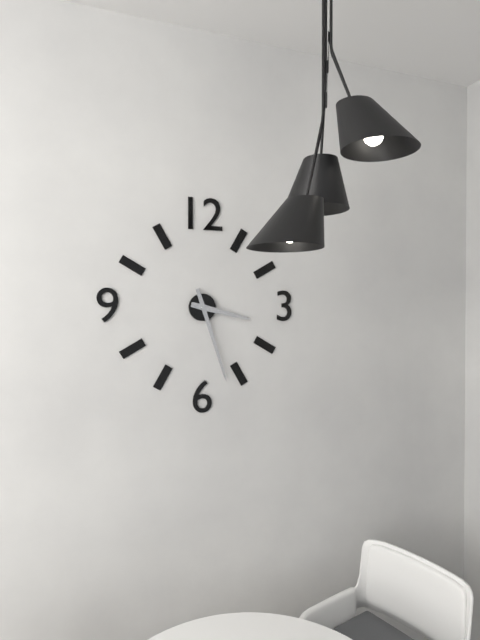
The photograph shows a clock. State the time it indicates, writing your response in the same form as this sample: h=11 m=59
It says h=3 m=27
